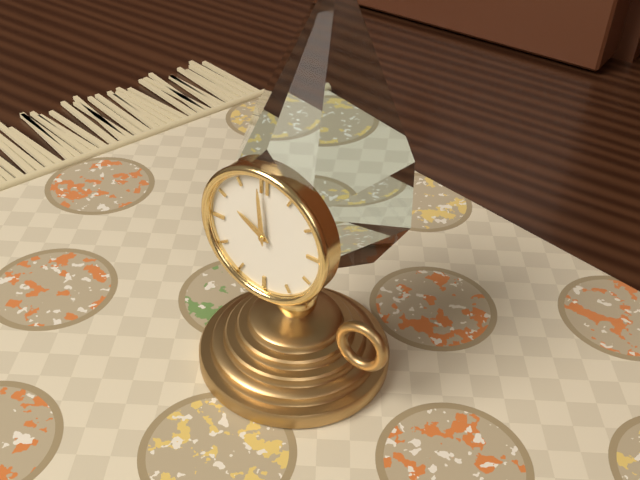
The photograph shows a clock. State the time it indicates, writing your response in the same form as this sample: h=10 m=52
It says h=9 m=59
